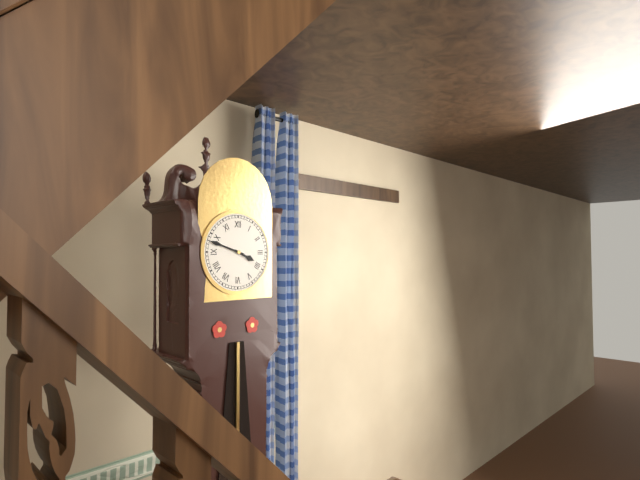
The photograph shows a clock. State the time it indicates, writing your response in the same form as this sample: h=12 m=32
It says h=3 m=48
